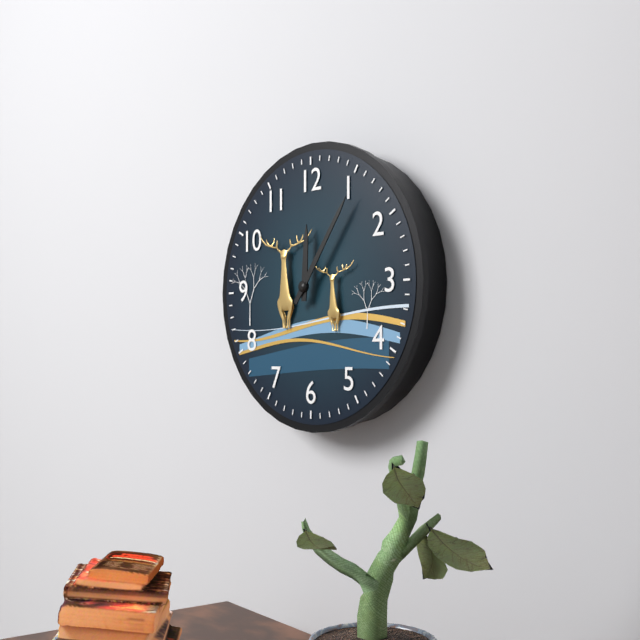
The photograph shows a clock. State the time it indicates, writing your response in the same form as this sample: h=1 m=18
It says h=12 m=6
